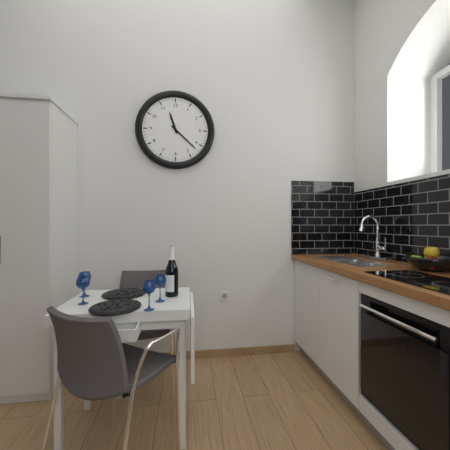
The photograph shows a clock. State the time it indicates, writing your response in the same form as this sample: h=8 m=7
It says h=11 m=22
